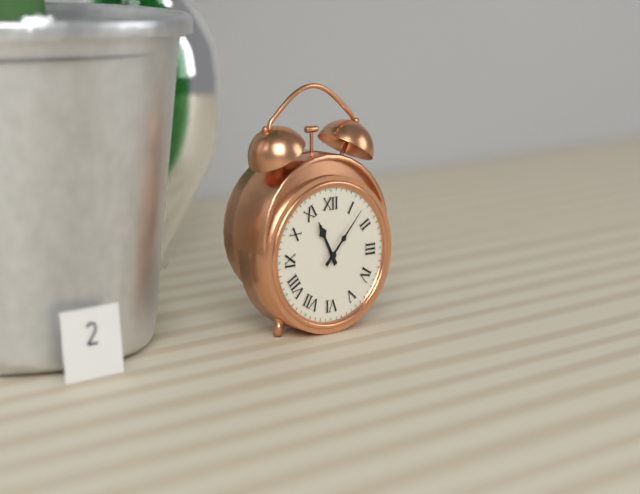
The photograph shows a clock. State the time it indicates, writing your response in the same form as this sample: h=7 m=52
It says h=11 m=7
